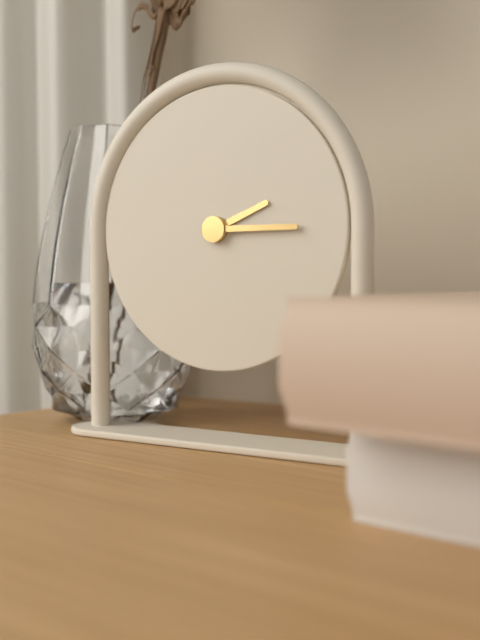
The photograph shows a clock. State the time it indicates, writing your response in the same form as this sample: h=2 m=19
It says h=2 m=15
